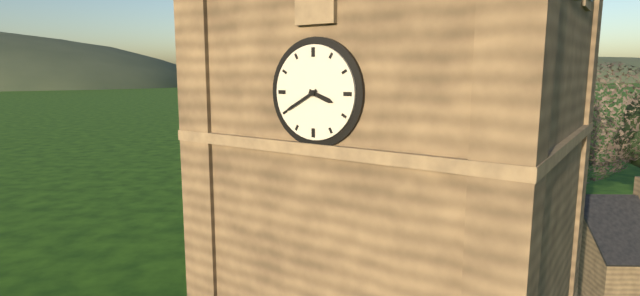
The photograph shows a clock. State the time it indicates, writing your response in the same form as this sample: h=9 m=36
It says h=3 m=40
